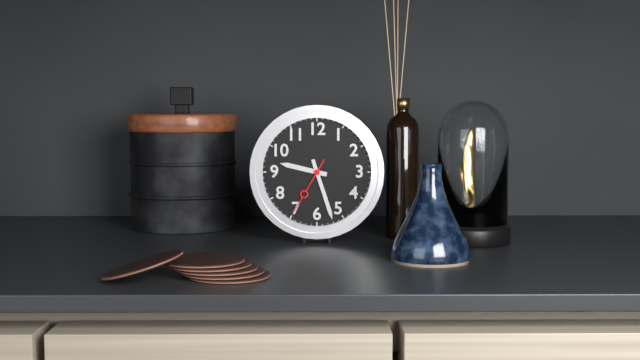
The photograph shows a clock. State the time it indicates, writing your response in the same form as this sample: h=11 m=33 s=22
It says h=9 m=27 s=35
